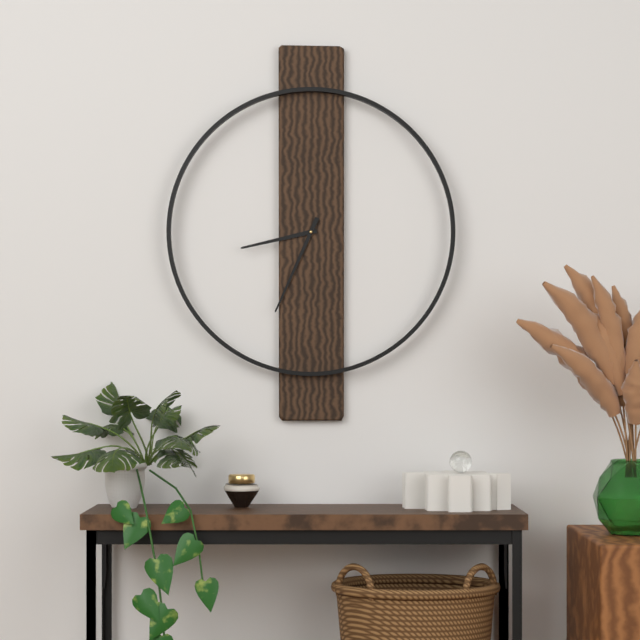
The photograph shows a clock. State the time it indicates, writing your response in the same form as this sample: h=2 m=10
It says h=8 m=34
